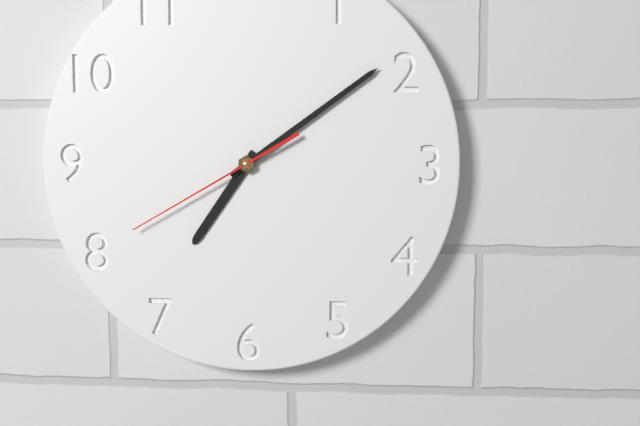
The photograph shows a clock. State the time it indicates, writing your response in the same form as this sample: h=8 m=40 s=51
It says h=7 m=9 s=40
